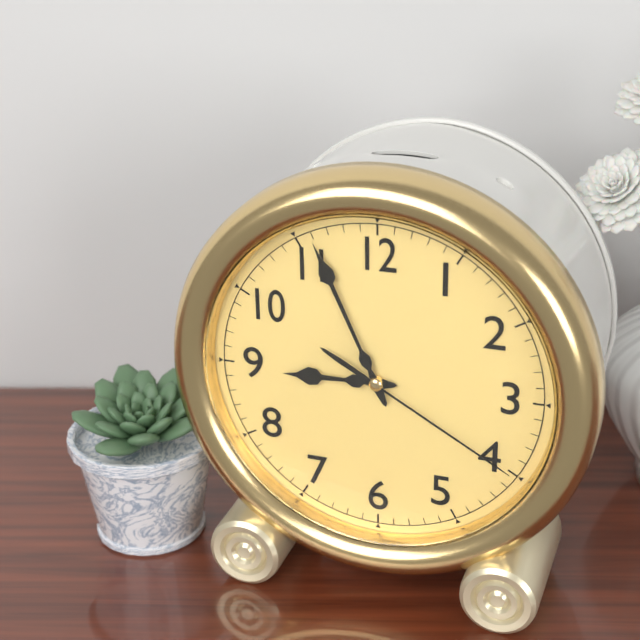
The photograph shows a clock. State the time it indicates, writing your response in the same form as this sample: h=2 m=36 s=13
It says h=8 m=56 s=20
